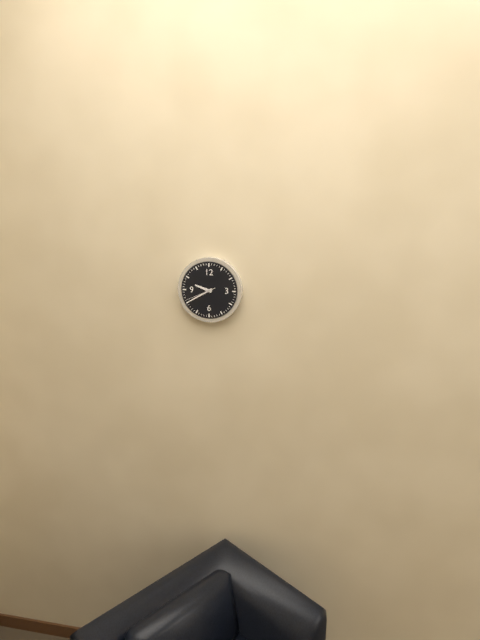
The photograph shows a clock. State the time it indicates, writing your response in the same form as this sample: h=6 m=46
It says h=9 m=40
